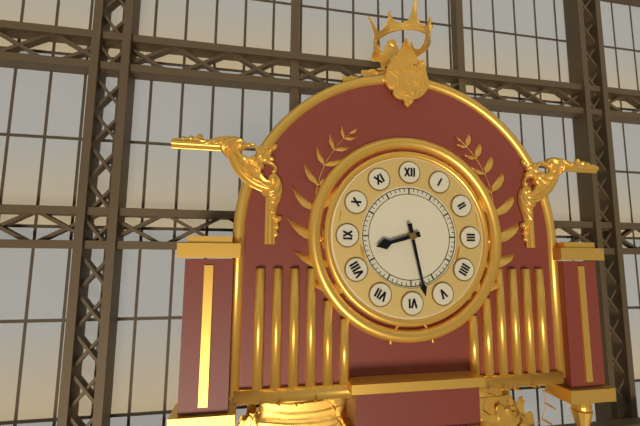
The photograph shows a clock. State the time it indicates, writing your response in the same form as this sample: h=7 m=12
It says h=8 m=28
